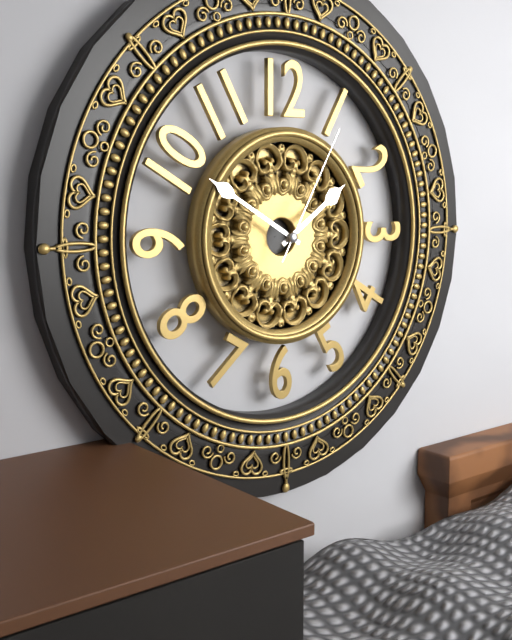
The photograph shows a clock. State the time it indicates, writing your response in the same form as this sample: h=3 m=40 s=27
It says h=1 m=50 s=5
